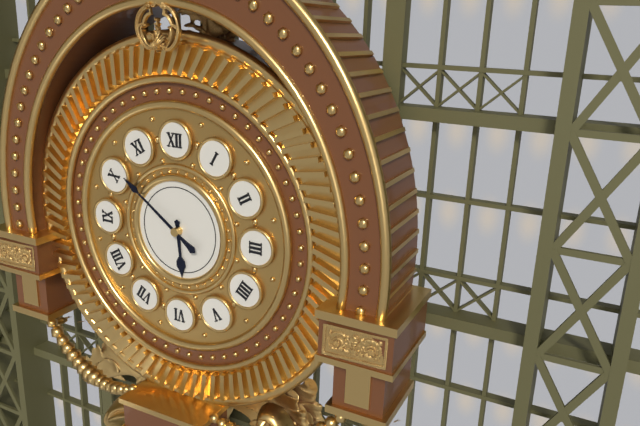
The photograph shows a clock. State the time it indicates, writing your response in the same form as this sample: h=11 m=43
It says h=5 m=51
